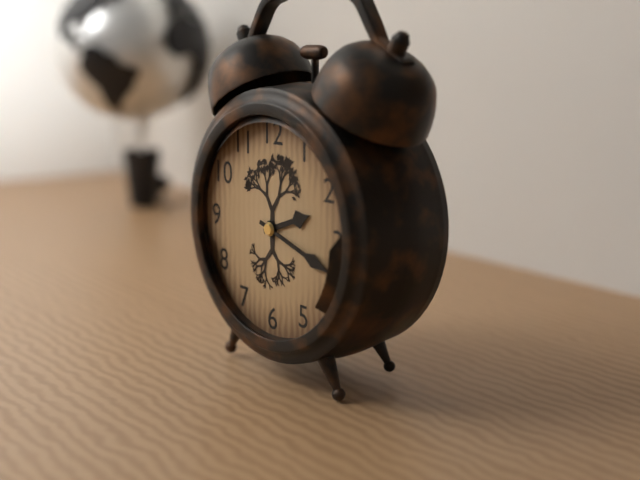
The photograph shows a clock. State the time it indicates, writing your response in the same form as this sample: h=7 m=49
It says h=2 m=18
